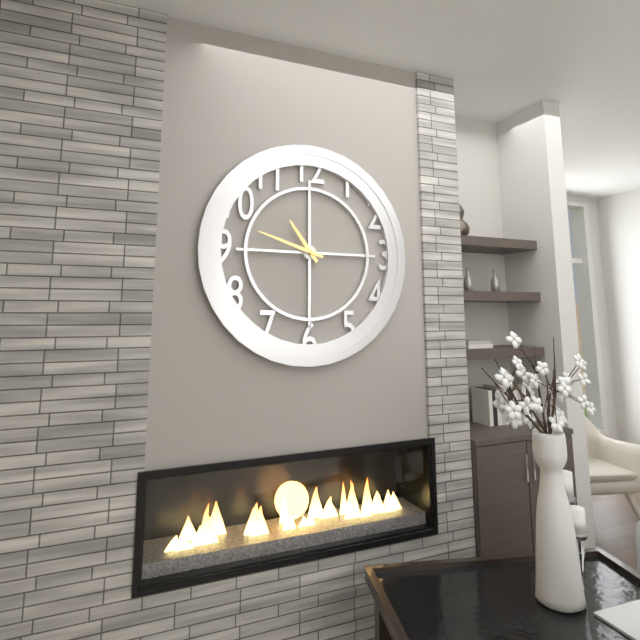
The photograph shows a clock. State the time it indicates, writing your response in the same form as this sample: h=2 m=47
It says h=10 m=48
